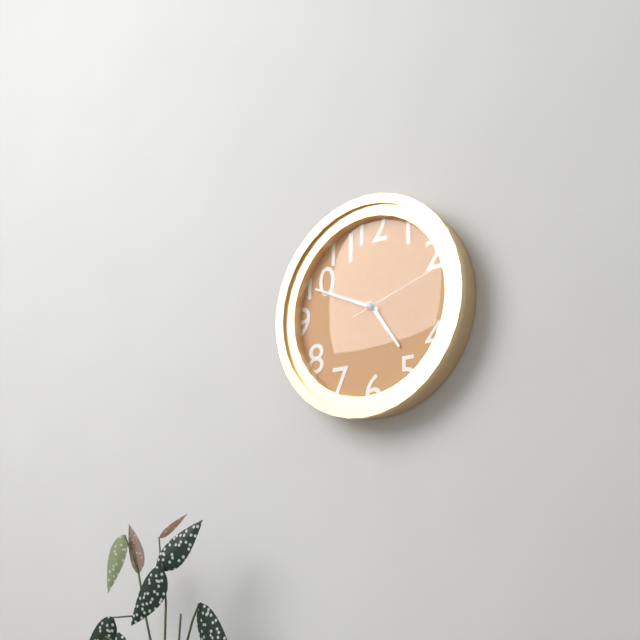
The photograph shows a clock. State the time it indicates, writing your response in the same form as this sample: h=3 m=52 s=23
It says h=4 m=49 s=12
